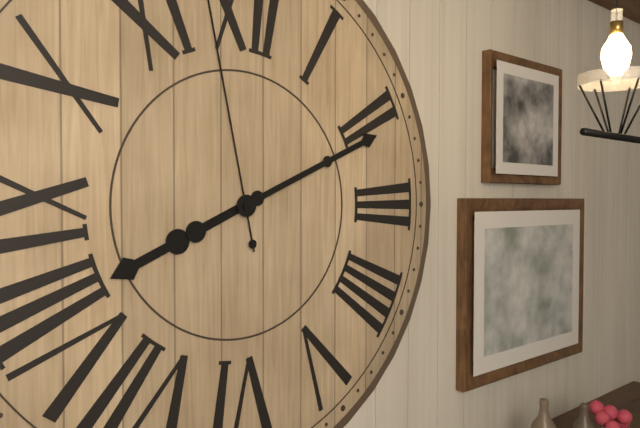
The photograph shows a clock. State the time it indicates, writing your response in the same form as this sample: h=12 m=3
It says h=8 m=11
